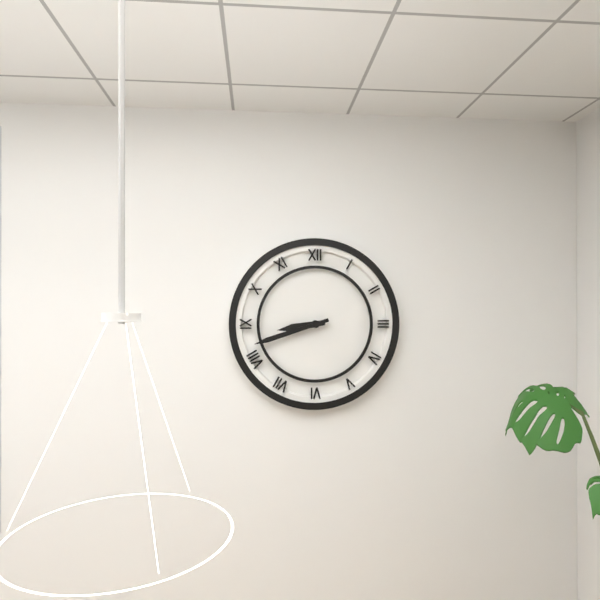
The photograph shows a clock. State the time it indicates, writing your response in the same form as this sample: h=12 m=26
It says h=8 m=42
